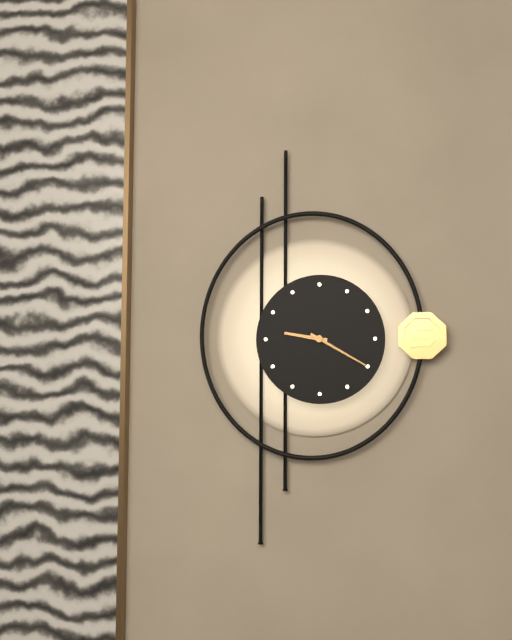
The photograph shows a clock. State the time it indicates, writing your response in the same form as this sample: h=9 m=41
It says h=9 m=20
